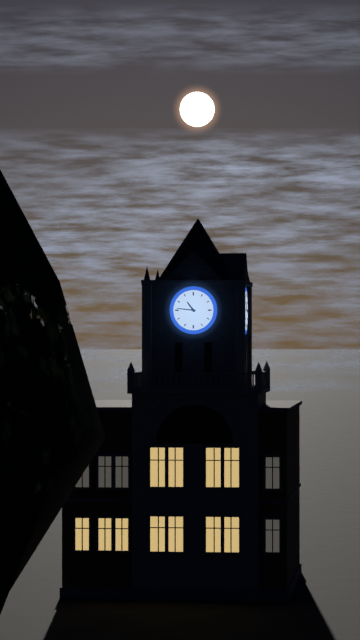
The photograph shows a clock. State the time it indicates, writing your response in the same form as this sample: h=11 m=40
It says h=10 m=46
